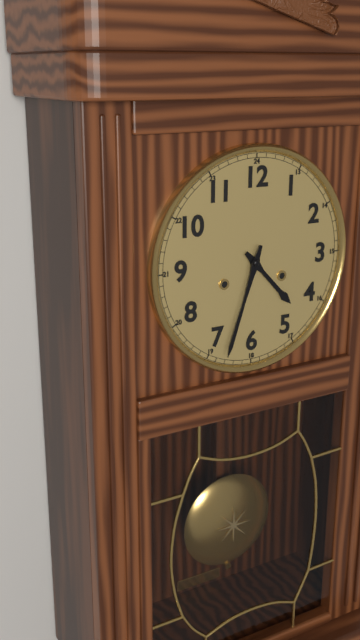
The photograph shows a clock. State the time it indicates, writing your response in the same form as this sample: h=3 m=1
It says h=4 m=33
